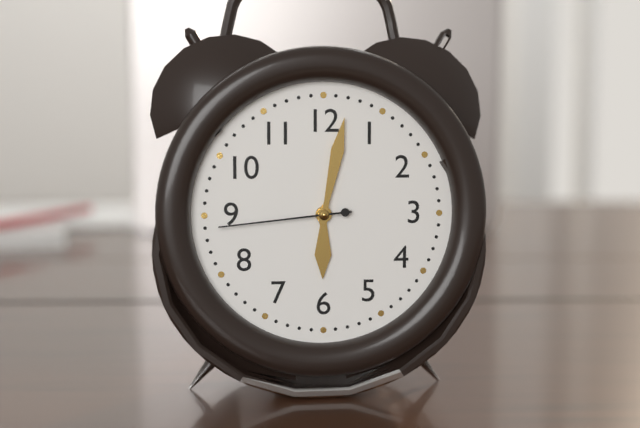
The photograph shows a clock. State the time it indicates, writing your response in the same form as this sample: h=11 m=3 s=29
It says h=6 m=2 s=44
